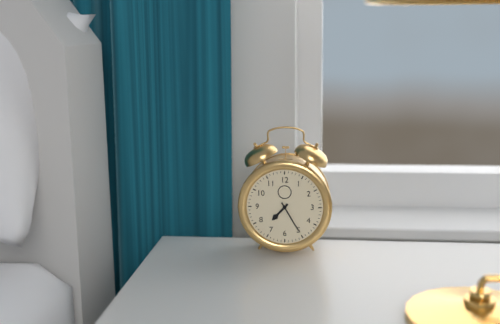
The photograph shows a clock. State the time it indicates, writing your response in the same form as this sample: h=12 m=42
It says h=7 m=25
